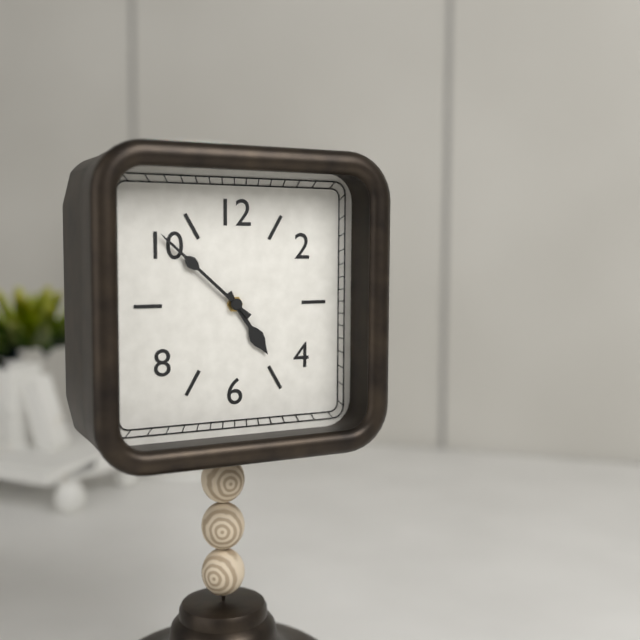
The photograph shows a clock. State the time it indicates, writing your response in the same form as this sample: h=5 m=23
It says h=4 m=52
